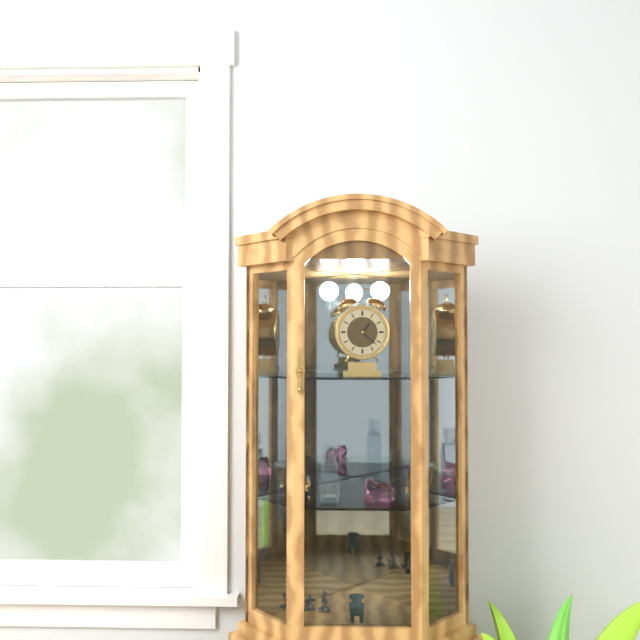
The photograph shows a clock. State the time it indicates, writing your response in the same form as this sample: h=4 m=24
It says h=1 m=22
